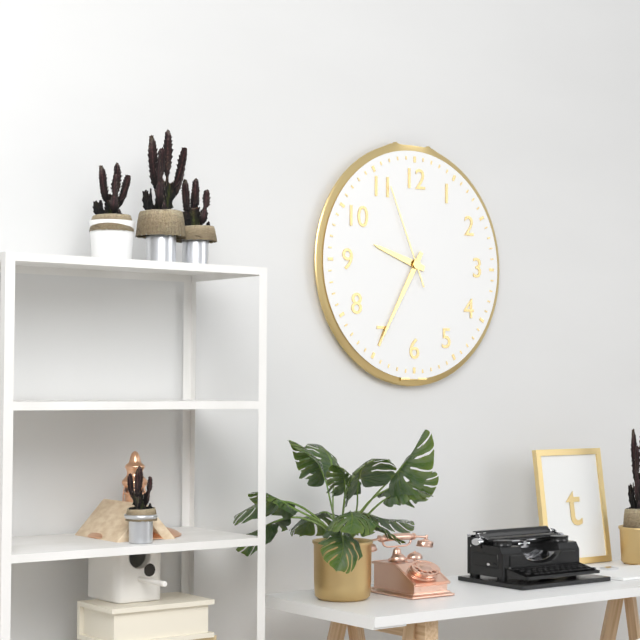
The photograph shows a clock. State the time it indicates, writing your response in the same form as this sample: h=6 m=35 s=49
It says h=9 m=35 s=56
